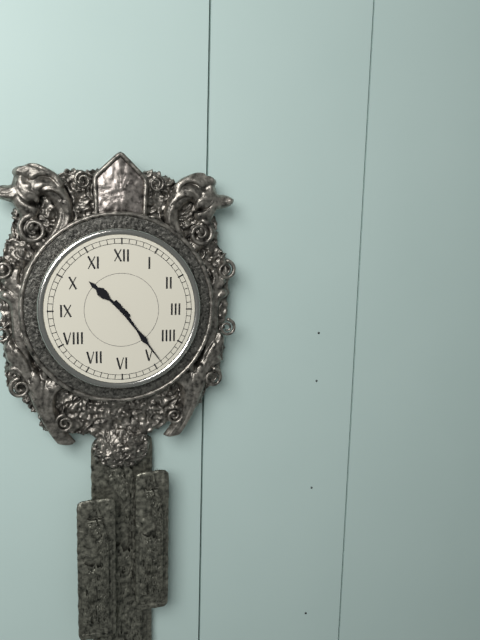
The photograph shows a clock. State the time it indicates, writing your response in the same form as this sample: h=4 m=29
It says h=10 m=24
